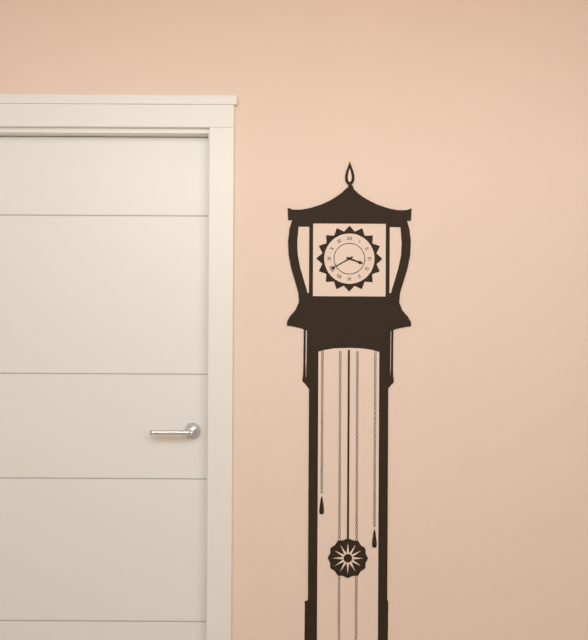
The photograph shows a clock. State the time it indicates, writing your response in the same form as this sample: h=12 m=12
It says h=3 m=40
